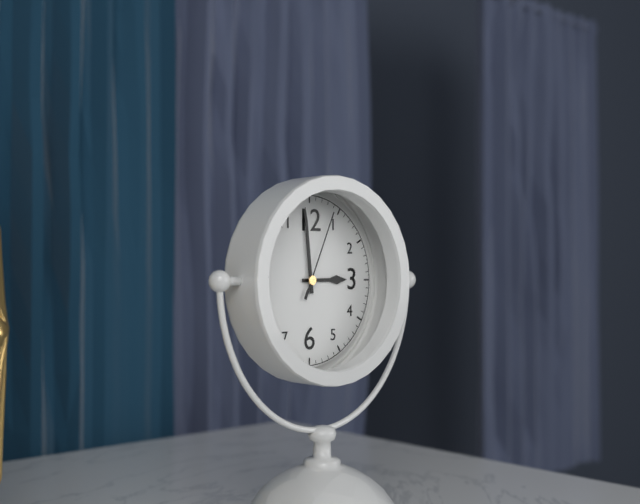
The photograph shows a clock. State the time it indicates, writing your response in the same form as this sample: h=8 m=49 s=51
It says h=2 m=59 s=4
